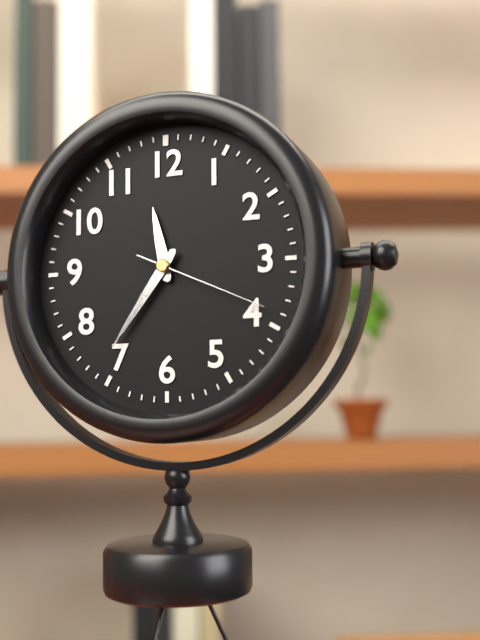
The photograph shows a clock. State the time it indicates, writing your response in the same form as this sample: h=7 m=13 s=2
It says h=11 m=36 s=19
